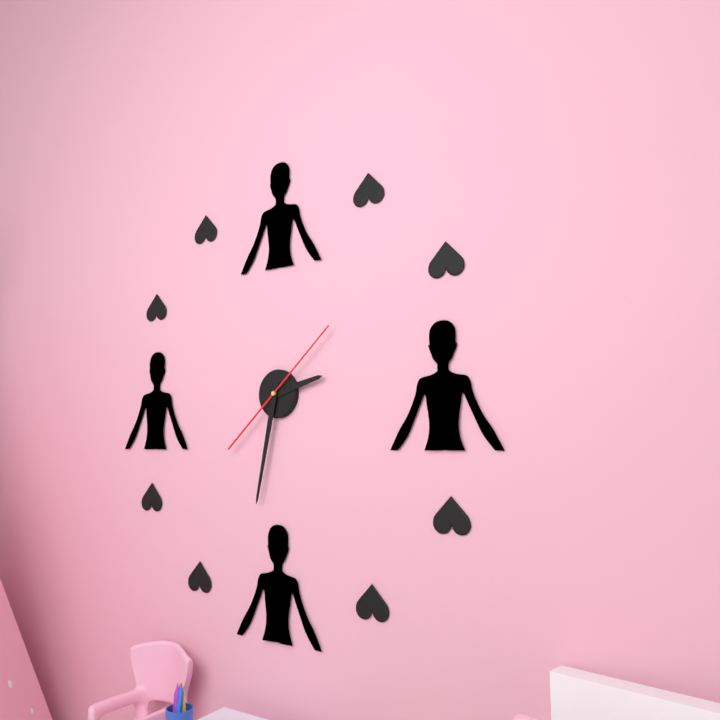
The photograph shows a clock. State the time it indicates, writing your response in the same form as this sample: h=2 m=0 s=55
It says h=2 m=32 s=8
